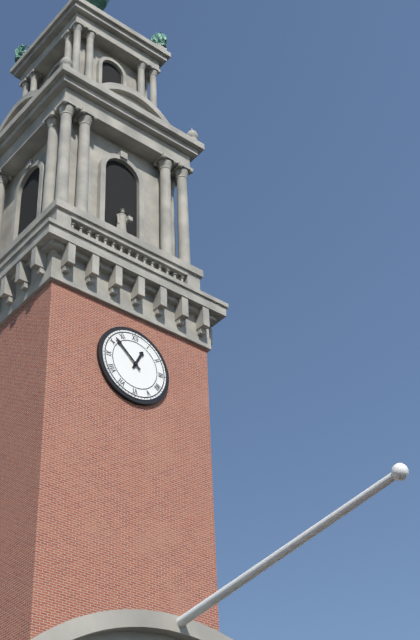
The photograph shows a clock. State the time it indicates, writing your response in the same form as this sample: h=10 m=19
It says h=12 m=52
